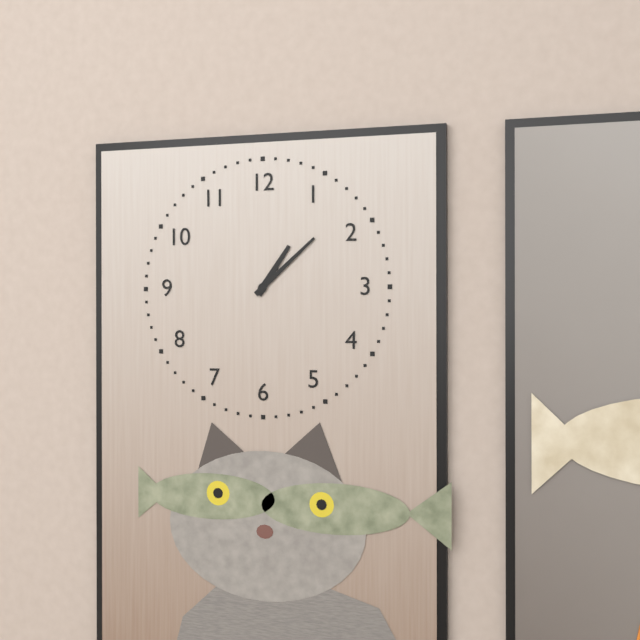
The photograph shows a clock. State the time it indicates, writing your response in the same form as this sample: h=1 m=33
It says h=1 m=8
